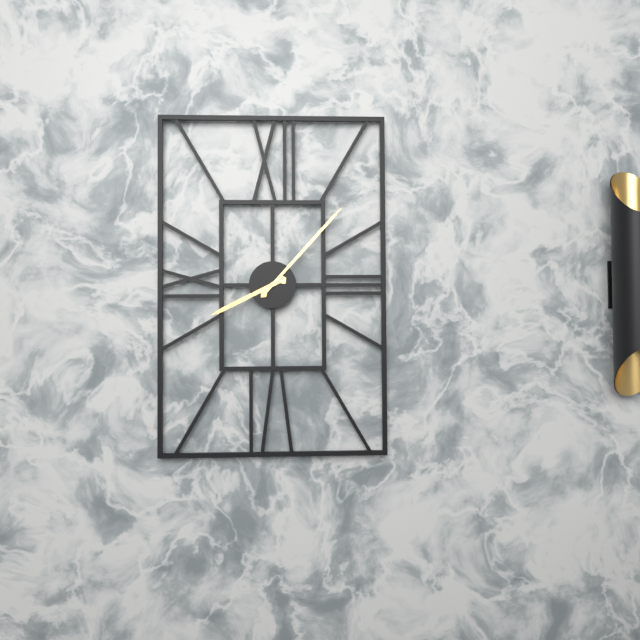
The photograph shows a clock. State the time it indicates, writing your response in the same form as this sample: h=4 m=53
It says h=8 m=7
